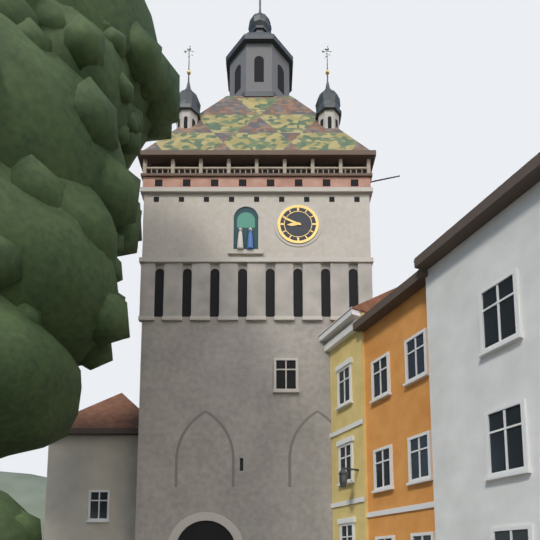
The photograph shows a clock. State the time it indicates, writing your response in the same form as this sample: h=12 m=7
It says h=8 m=49
